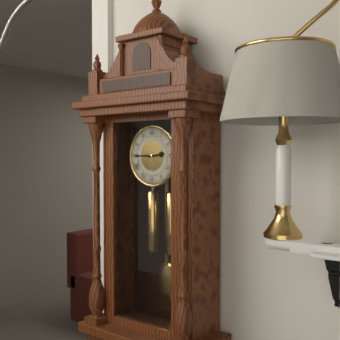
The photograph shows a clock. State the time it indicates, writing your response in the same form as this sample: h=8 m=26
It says h=2 m=45
